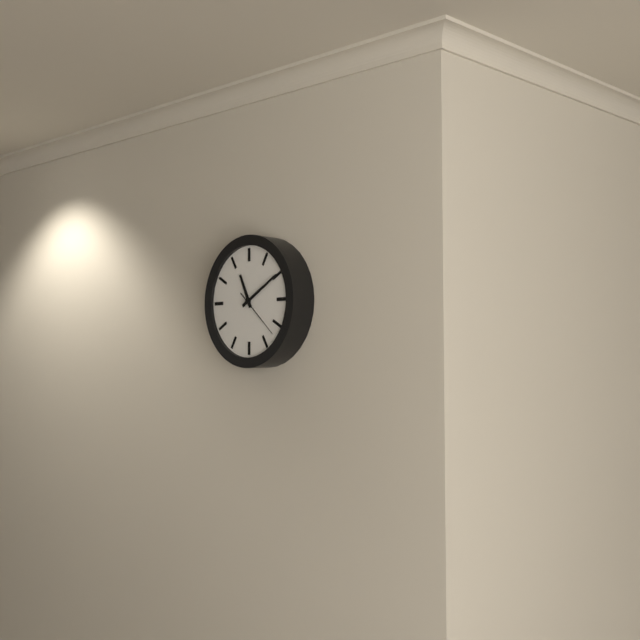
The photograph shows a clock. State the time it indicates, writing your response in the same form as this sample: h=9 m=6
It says h=11 m=10
